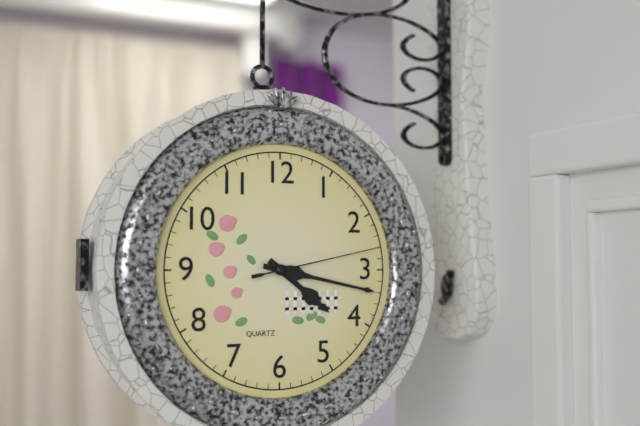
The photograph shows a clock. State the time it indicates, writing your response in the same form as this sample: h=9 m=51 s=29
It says h=4 m=17 s=13
